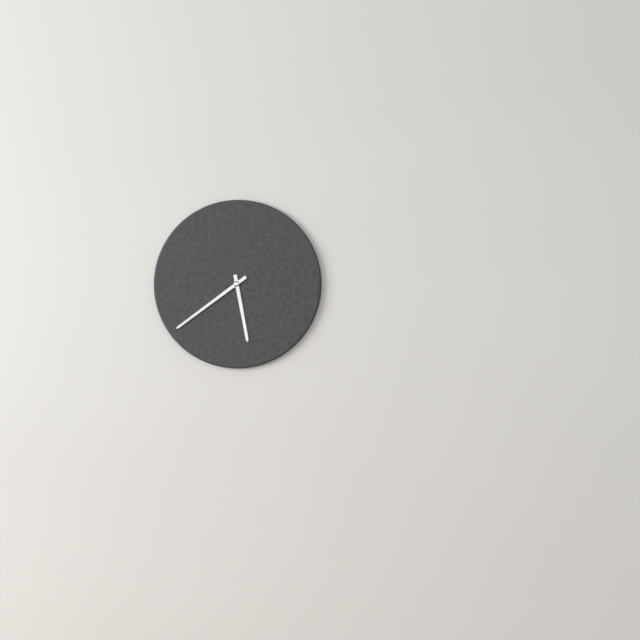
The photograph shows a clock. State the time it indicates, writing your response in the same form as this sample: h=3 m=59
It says h=5 m=39
